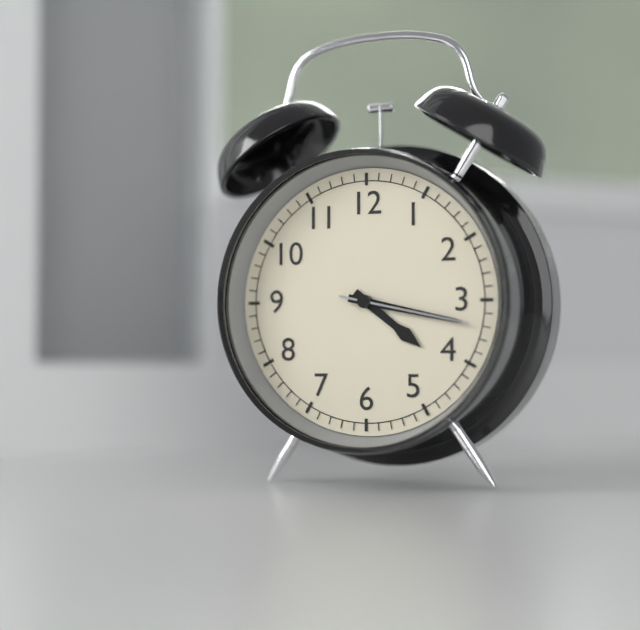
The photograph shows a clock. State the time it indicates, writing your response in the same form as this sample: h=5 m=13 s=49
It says h=4 m=17 s=17
